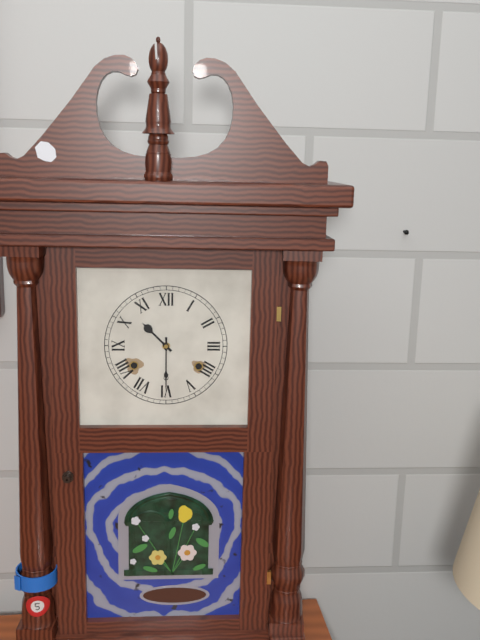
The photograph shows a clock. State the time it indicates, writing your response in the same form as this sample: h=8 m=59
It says h=10 m=30
